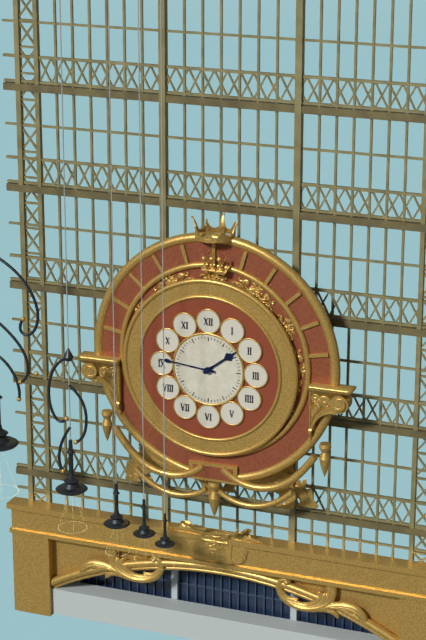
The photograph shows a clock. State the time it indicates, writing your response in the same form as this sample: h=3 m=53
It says h=1 m=46
